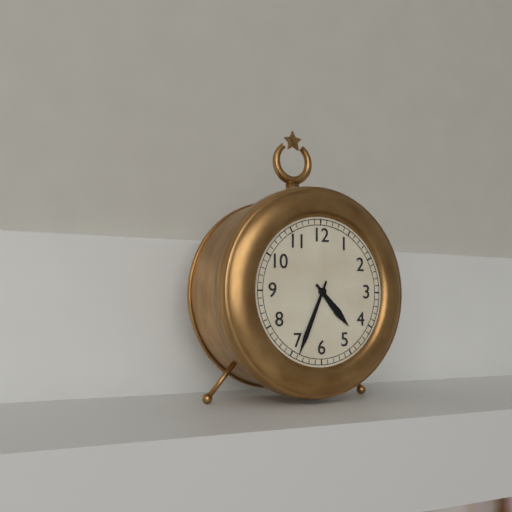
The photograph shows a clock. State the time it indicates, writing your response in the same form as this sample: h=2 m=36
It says h=4 m=34
